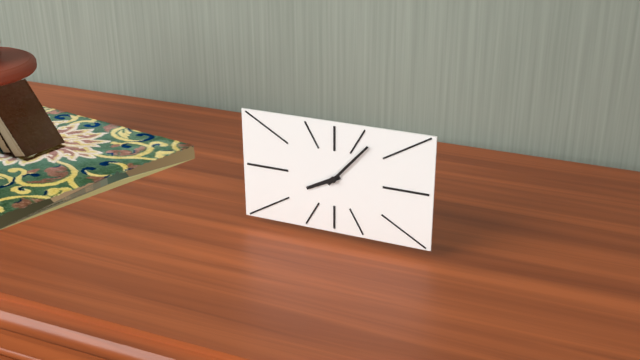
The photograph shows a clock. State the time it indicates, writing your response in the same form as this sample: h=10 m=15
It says h=8 m=7
